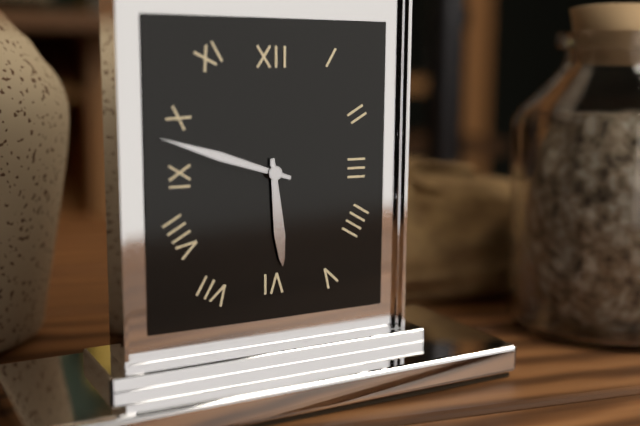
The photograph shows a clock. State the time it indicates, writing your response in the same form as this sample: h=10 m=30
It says h=5 m=48
